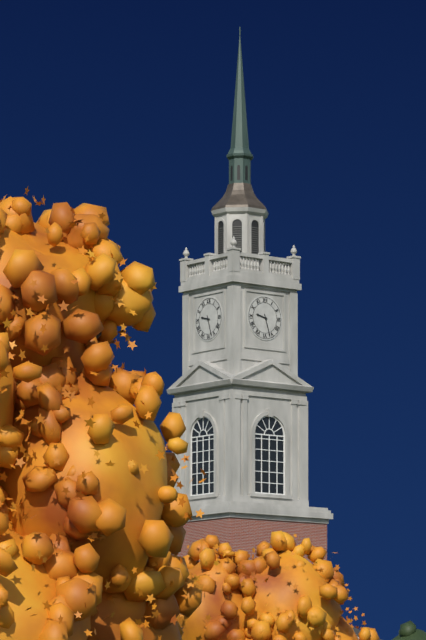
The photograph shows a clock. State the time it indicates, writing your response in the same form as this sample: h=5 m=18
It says h=9 m=27
